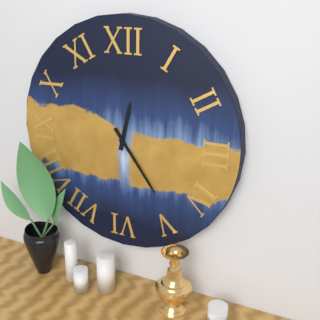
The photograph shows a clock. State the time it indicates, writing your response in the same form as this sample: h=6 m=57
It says h=12 m=24
